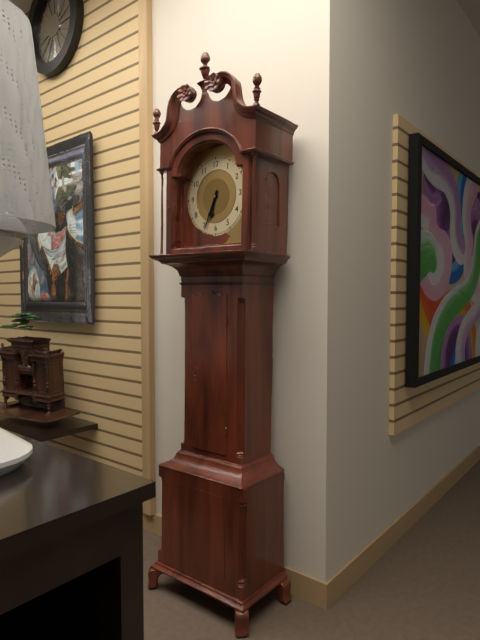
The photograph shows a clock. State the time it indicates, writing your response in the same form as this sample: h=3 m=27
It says h=6 m=34
